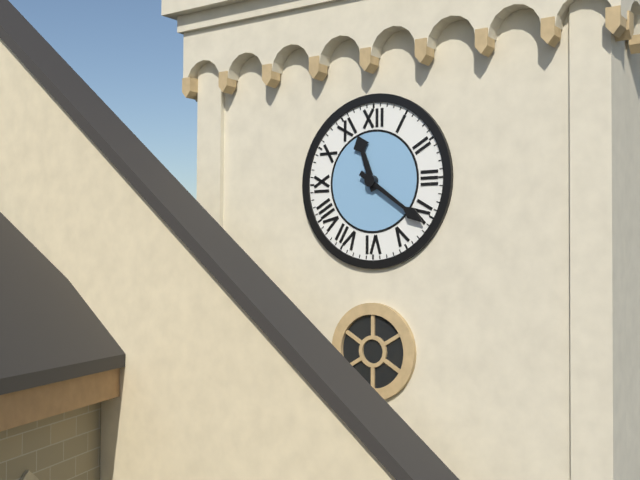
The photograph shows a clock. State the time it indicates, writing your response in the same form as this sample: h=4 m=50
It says h=11 m=21
